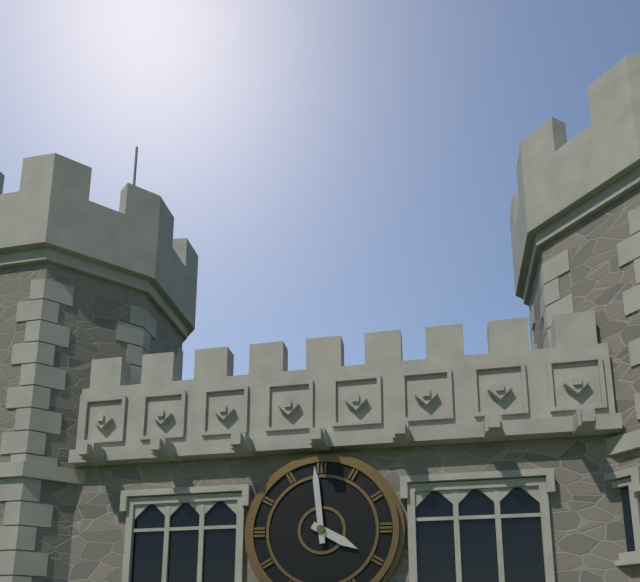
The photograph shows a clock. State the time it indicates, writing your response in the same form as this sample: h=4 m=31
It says h=3 m=59
